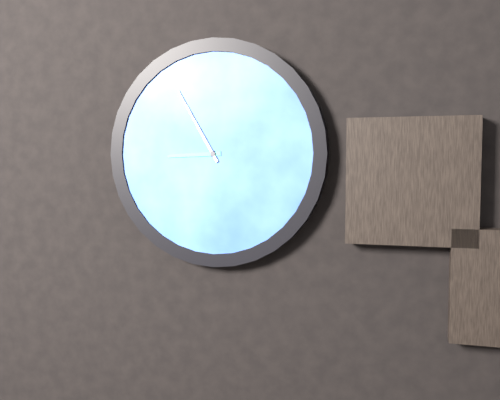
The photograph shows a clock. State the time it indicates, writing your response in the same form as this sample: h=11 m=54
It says h=8 m=55
